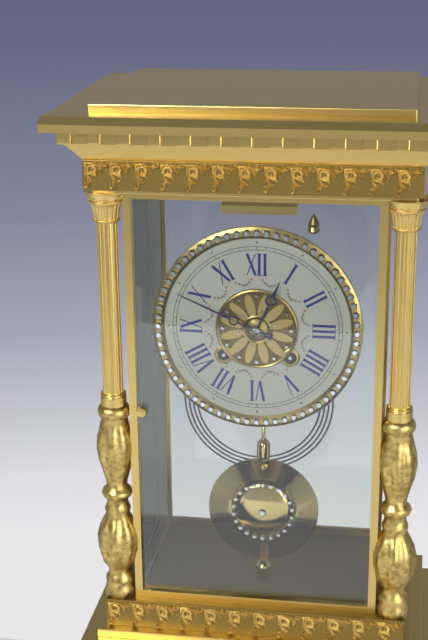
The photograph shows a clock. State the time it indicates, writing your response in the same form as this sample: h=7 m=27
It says h=12 m=49
